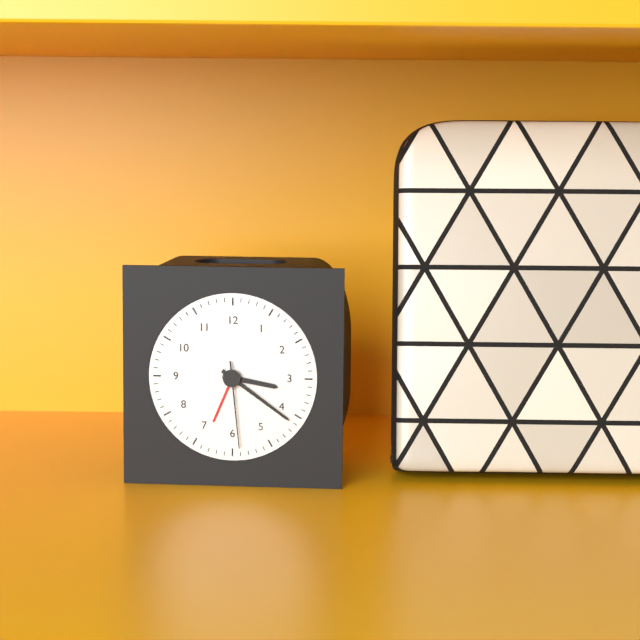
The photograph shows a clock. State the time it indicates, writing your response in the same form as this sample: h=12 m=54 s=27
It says h=3 m=21 s=29
